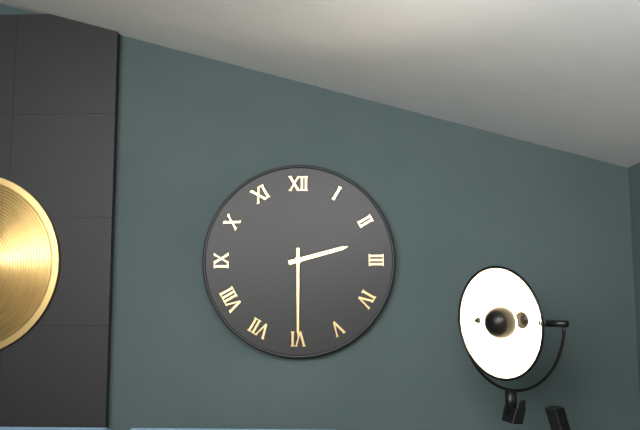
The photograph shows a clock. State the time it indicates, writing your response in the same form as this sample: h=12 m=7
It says h=2 m=30
